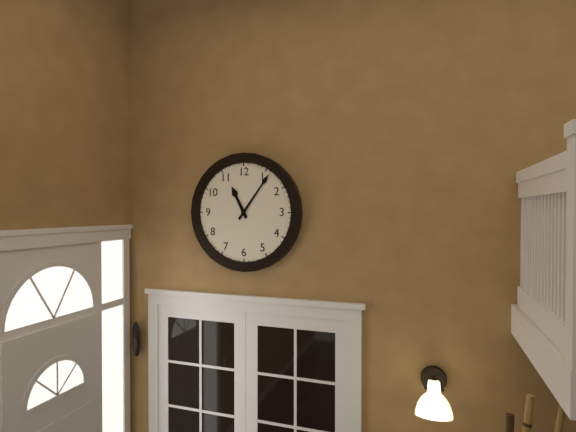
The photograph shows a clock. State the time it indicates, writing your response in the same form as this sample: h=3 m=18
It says h=11 m=6
